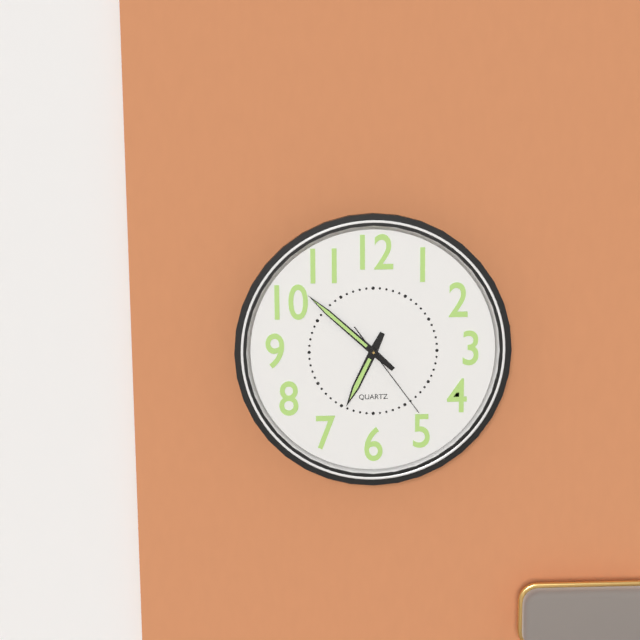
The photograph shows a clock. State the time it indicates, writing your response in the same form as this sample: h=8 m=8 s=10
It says h=6 m=52 s=24
